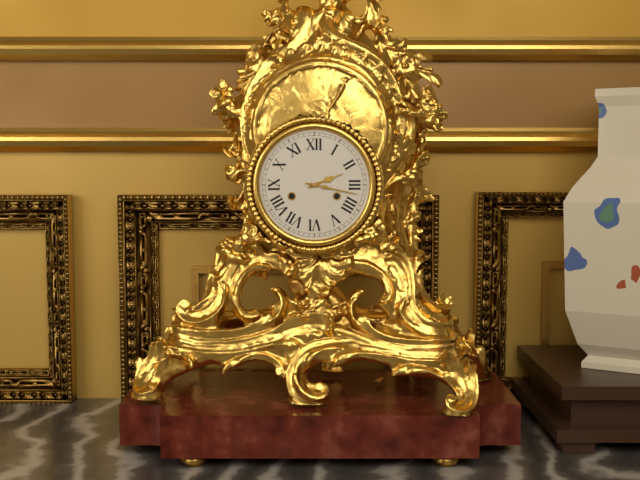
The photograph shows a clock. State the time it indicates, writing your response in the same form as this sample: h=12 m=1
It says h=2 m=17
